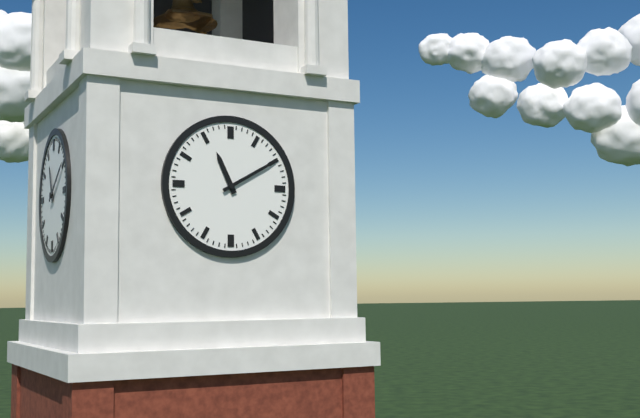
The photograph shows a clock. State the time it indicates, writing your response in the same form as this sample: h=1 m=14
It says h=11 m=10
